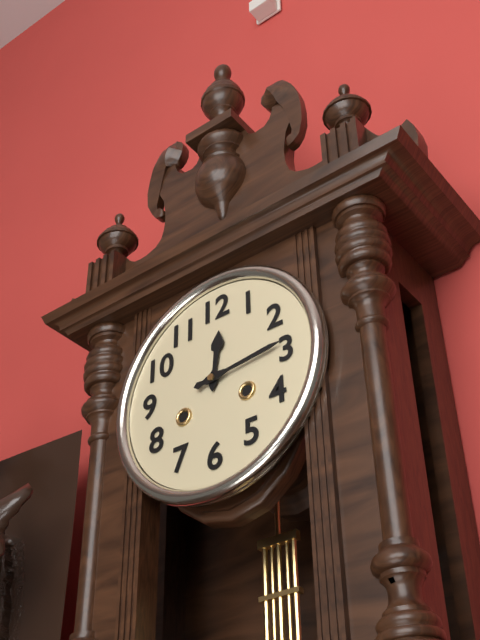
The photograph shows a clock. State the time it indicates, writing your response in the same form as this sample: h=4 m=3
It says h=12 m=14
